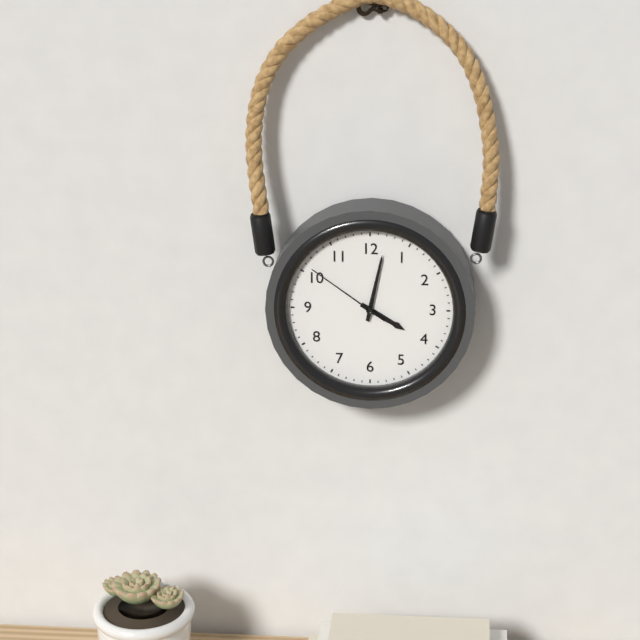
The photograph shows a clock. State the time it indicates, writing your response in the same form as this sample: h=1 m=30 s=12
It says h=4 m=2 s=51
